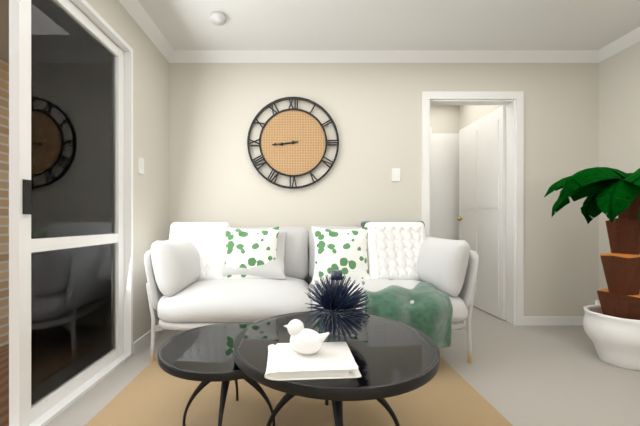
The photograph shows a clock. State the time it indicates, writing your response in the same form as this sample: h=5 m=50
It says h=8 m=44
